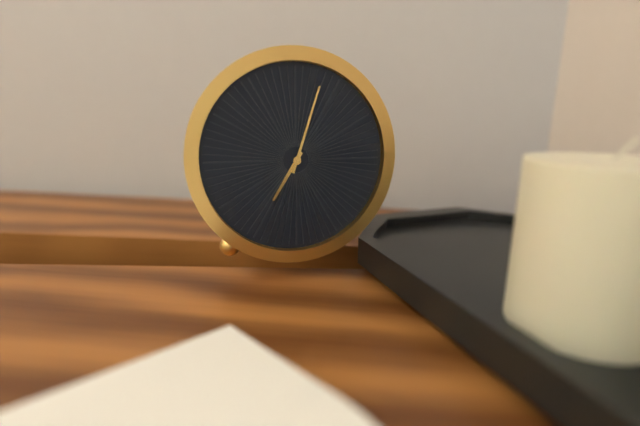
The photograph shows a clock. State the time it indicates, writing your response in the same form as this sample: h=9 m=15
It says h=7 m=3
